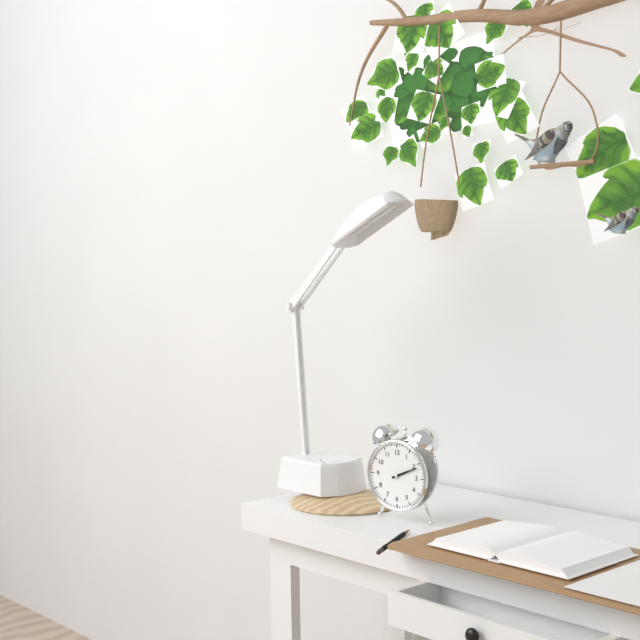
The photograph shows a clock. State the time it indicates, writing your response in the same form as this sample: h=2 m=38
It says h=2 m=11
